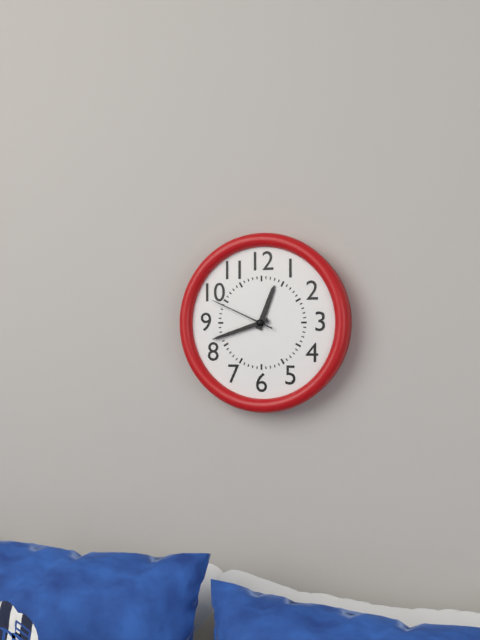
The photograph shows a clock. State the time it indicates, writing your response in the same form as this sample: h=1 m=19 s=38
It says h=12 m=42 s=49
